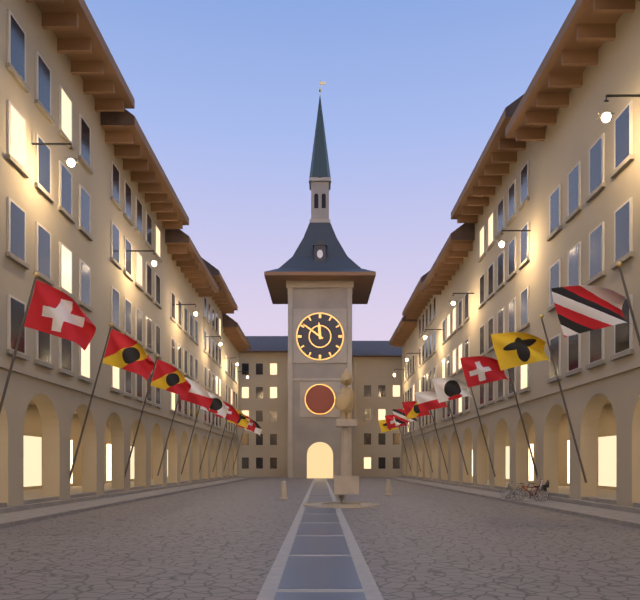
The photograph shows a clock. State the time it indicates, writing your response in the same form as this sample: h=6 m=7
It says h=11 m=51
